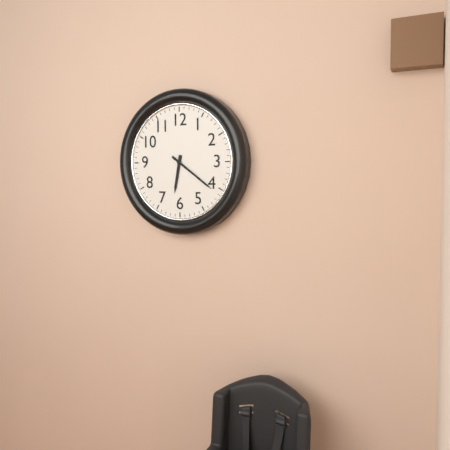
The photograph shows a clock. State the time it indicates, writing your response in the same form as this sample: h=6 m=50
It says h=6 m=21
